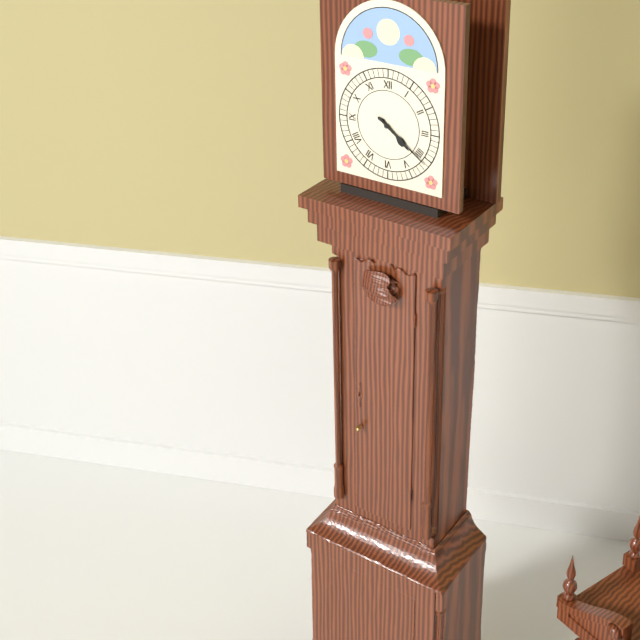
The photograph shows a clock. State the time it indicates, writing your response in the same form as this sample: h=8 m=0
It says h=4 m=21
